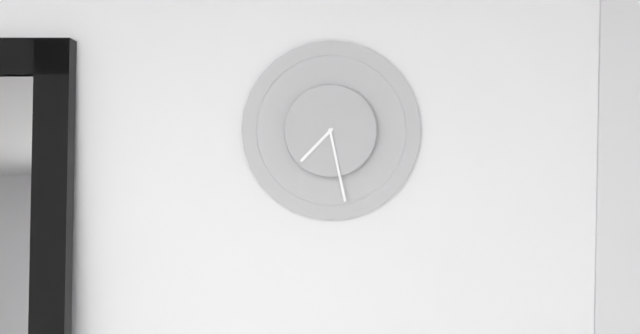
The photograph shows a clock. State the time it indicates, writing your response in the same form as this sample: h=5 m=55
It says h=7 m=28
